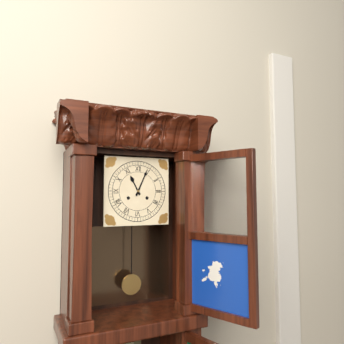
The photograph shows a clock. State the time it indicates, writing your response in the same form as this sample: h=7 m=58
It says h=11 m=4
